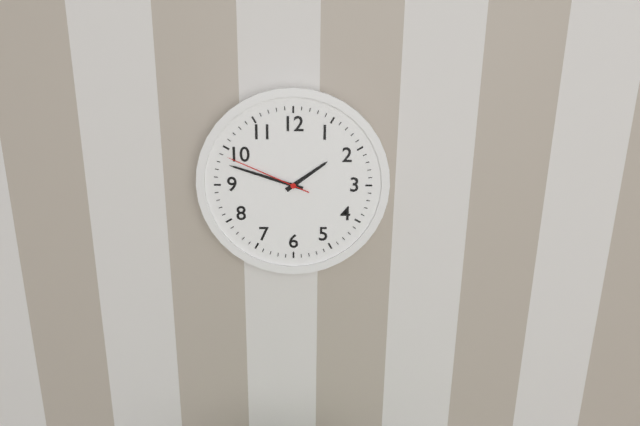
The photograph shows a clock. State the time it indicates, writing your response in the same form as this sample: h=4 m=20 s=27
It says h=1 m=48 s=49
